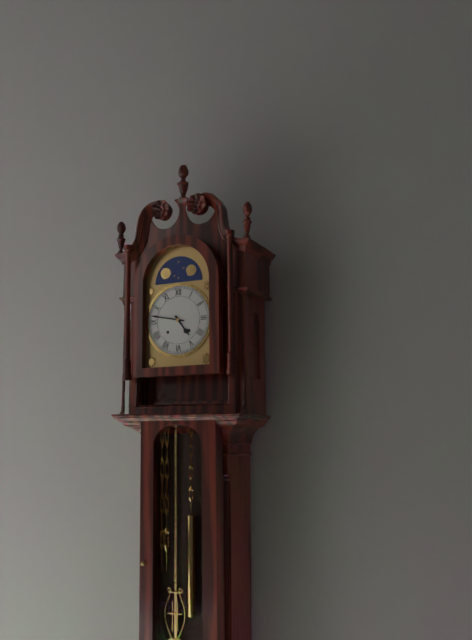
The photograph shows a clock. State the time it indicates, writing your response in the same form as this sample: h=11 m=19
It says h=4 m=47
